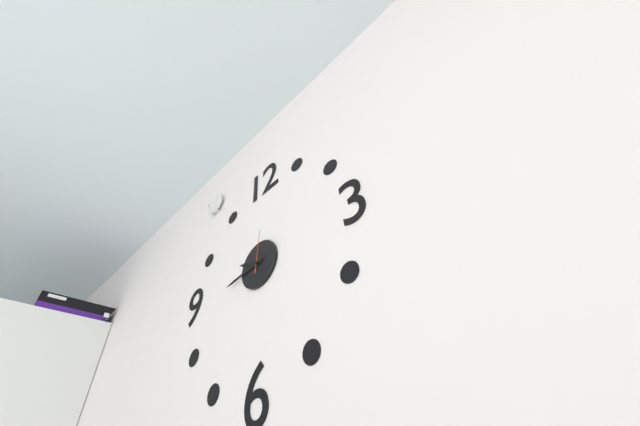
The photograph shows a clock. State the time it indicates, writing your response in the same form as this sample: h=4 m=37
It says h=9 m=44
